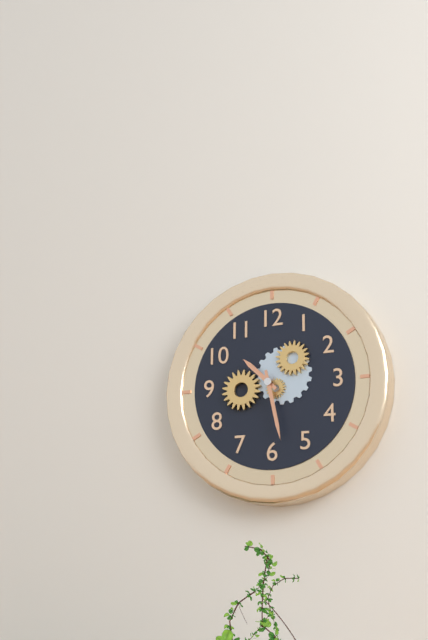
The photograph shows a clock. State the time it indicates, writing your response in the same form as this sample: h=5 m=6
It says h=10 m=28
